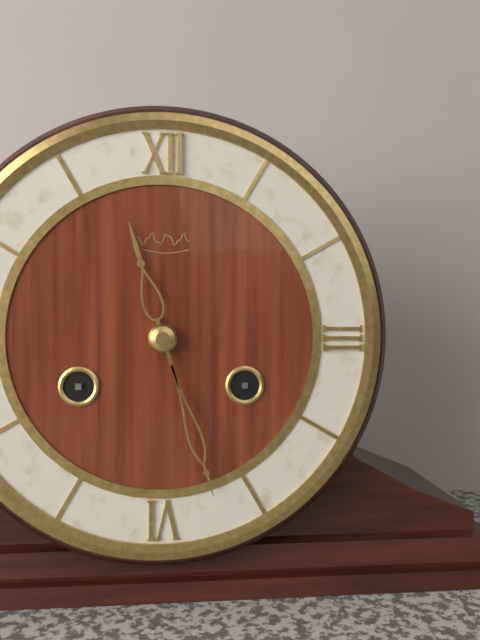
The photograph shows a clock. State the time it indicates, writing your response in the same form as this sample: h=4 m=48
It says h=11 m=27
